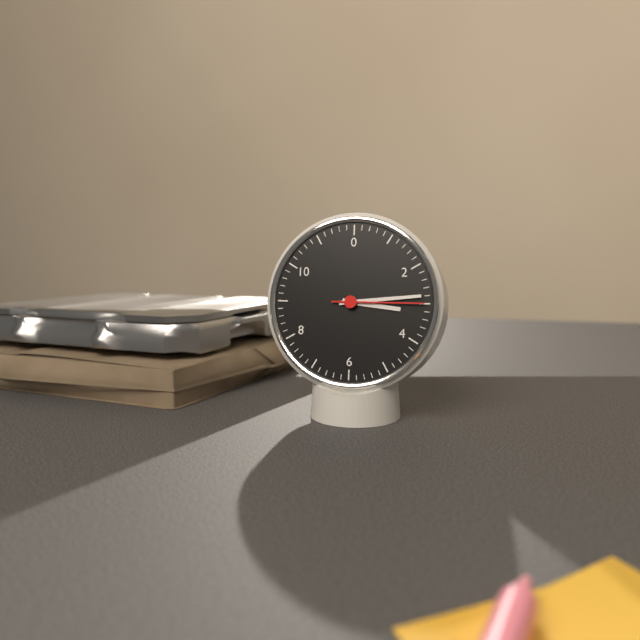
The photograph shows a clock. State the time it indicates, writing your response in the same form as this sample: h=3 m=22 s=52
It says h=3 m=14 s=15
